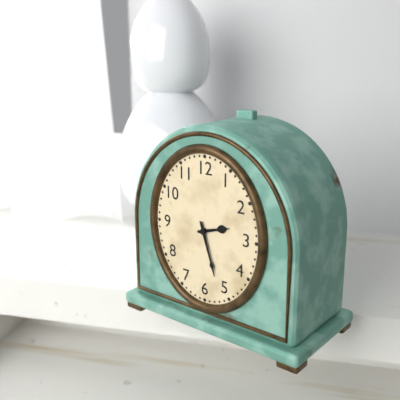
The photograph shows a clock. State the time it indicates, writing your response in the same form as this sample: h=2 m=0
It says h=2 m=27
